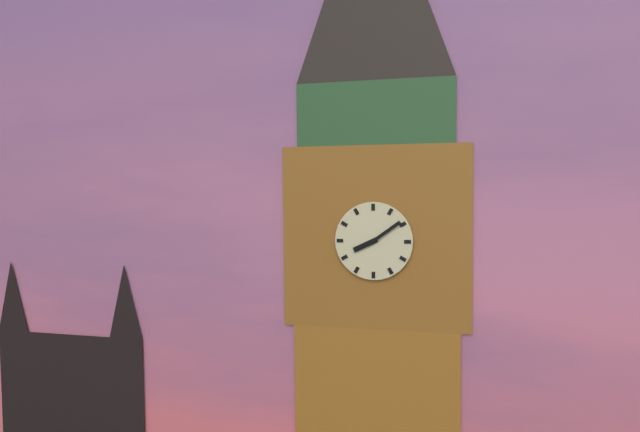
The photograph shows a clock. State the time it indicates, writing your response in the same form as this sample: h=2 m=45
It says h=8 m=9
